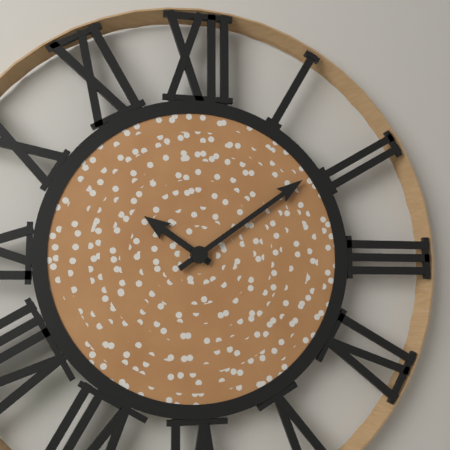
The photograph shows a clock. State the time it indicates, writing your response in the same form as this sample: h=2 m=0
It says h=10 m=9
